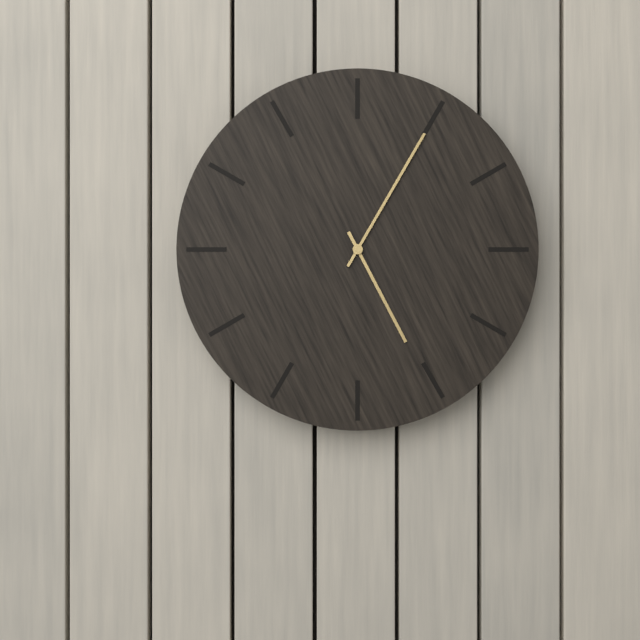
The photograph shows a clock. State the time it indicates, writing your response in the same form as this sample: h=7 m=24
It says h=5 m=5
